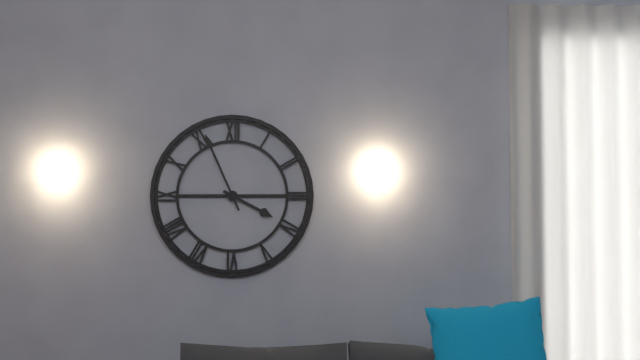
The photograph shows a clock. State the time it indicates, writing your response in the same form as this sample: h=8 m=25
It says h=3 m=56
